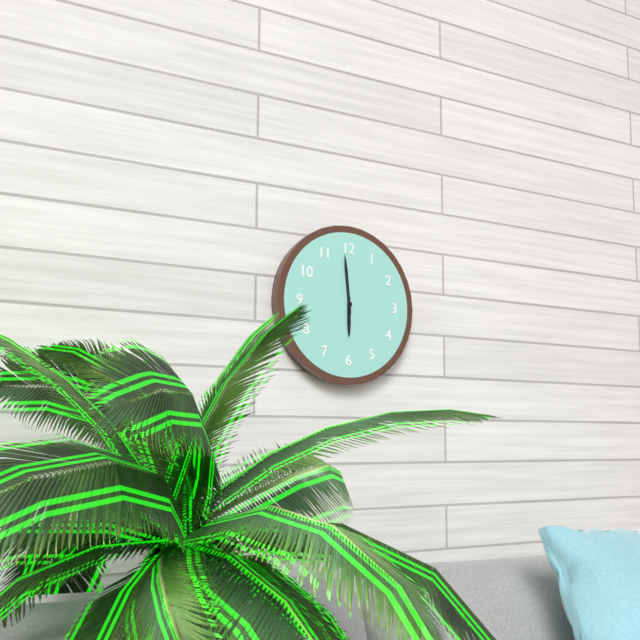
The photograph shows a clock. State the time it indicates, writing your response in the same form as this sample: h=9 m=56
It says h=5 m=59
